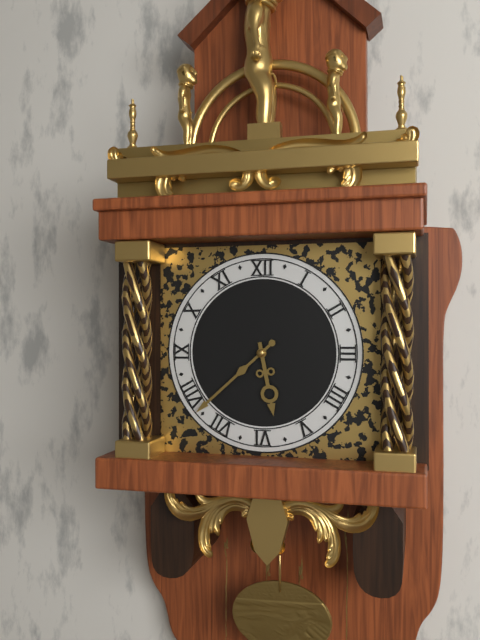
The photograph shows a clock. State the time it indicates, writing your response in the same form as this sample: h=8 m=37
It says h=5 m=38
